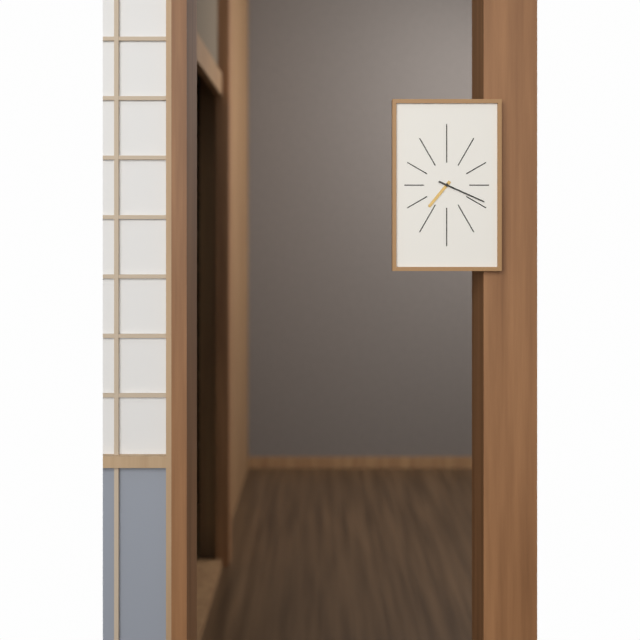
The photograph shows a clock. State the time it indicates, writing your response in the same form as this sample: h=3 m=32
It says h=7 m=19
